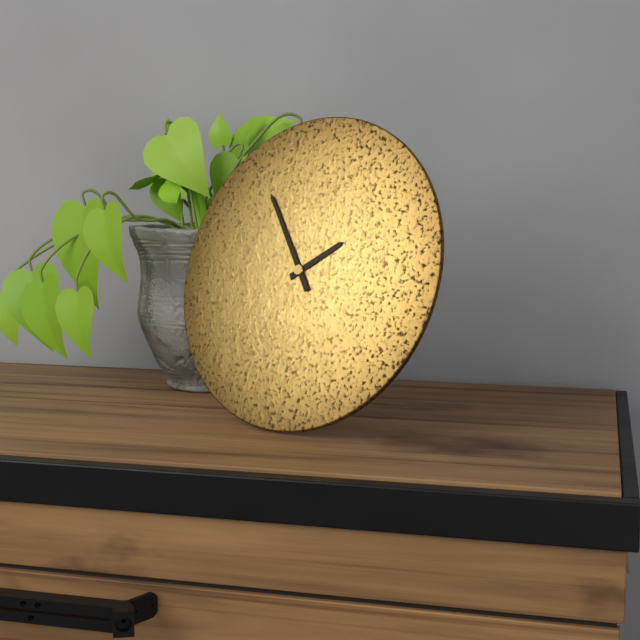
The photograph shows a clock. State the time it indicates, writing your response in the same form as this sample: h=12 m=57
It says h=1 m=54
